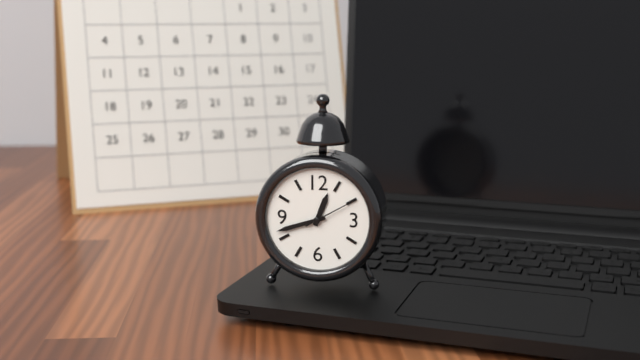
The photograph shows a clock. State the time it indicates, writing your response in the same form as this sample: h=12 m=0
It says h=12 m=42
